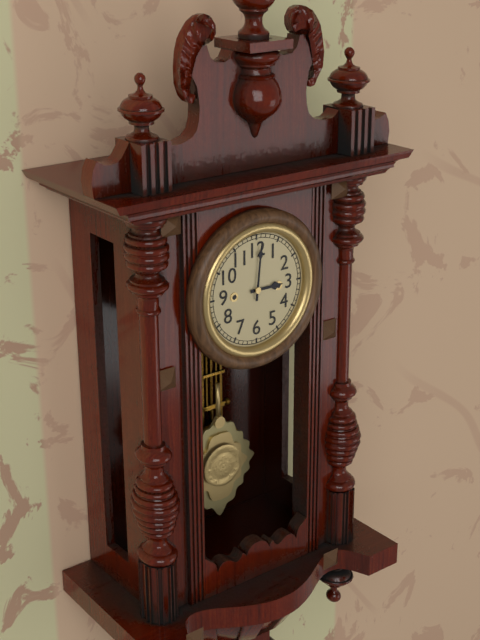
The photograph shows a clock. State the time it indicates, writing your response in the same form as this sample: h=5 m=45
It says h=3 m=1
